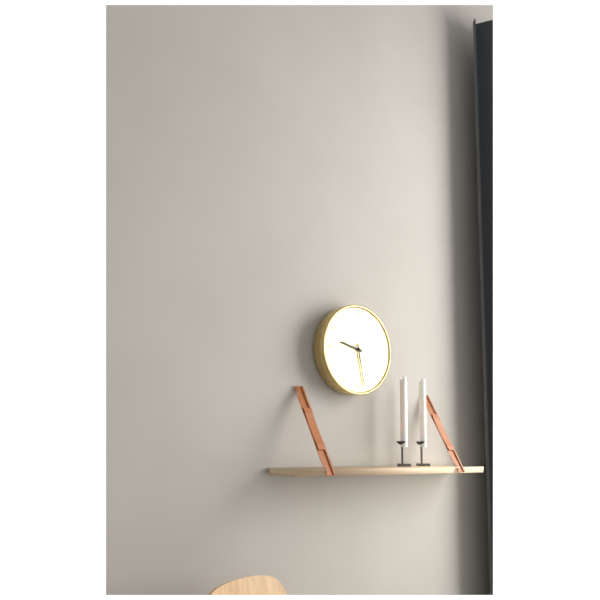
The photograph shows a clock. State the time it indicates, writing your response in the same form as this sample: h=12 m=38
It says h=9 m=28
